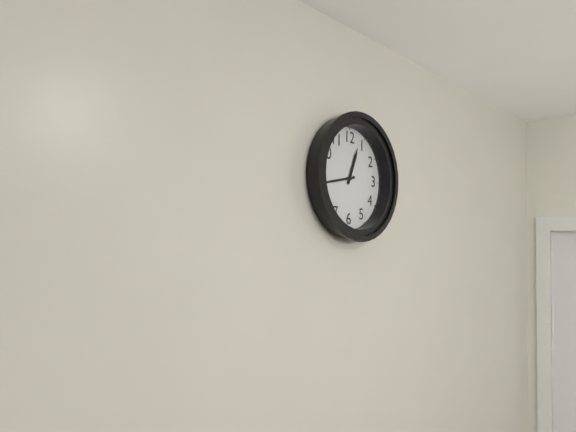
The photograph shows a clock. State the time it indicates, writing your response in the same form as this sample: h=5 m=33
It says h=12 m=43
